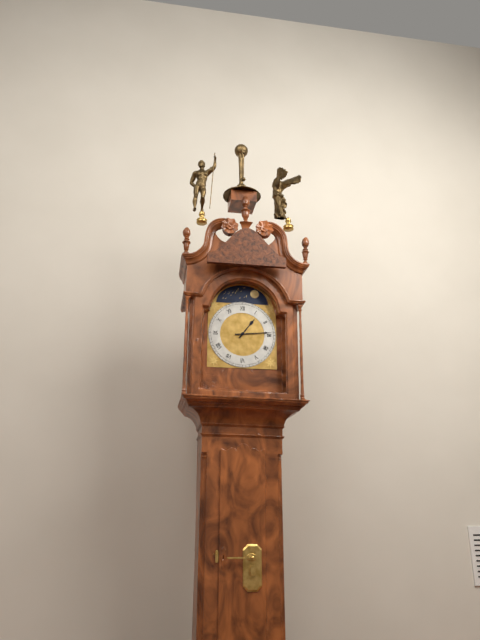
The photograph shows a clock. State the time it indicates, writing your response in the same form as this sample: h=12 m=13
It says h=1 m=14
